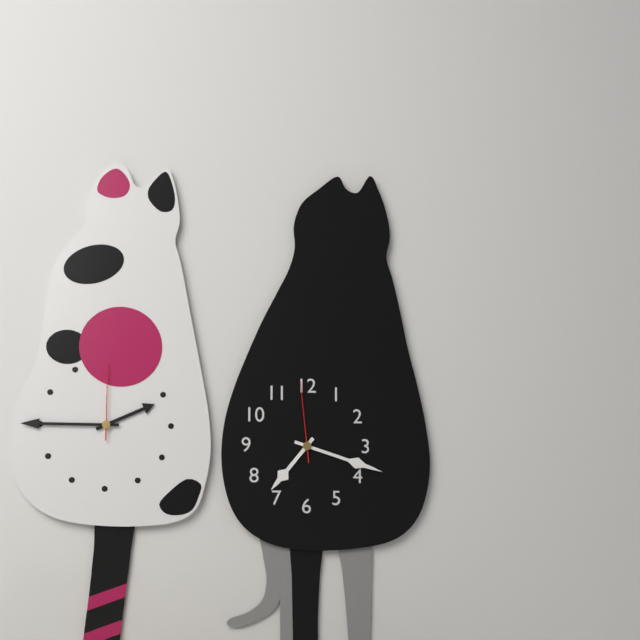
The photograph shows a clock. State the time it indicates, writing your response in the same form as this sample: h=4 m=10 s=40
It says h=7 m=18 s=59
